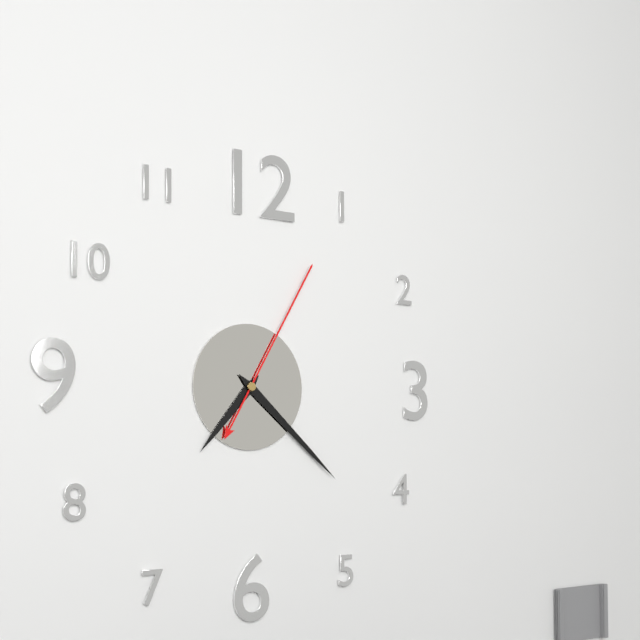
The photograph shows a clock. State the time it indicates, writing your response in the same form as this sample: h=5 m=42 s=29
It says h=7 m=22 s=5
